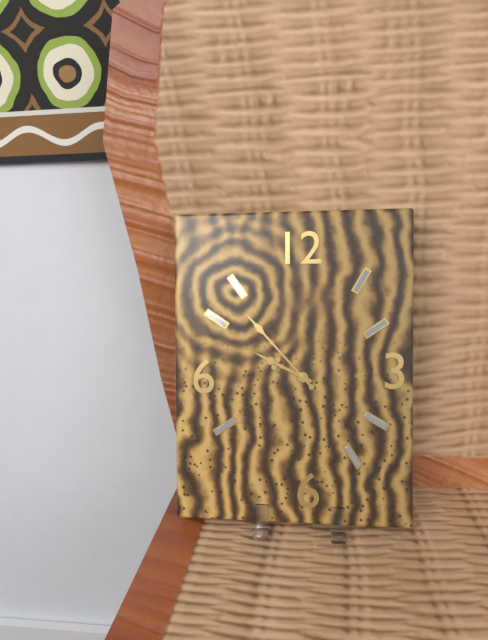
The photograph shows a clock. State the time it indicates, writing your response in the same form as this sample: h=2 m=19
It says h=9 m=53
